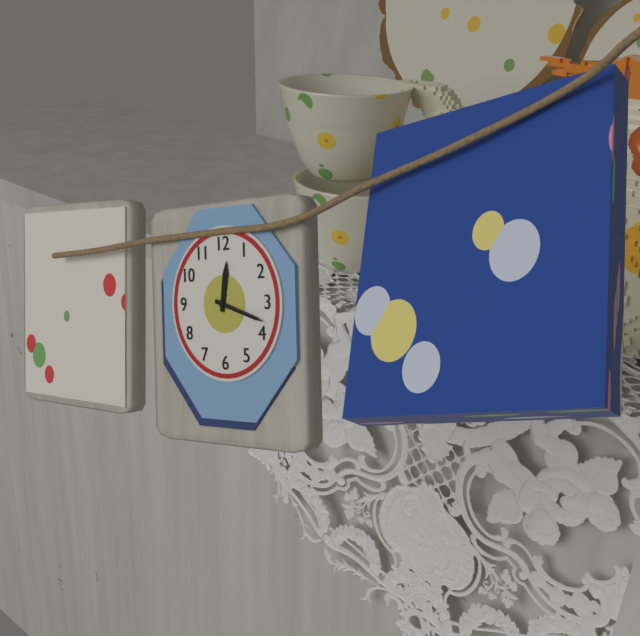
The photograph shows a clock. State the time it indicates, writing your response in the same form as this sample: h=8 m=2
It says h=12 m=18
